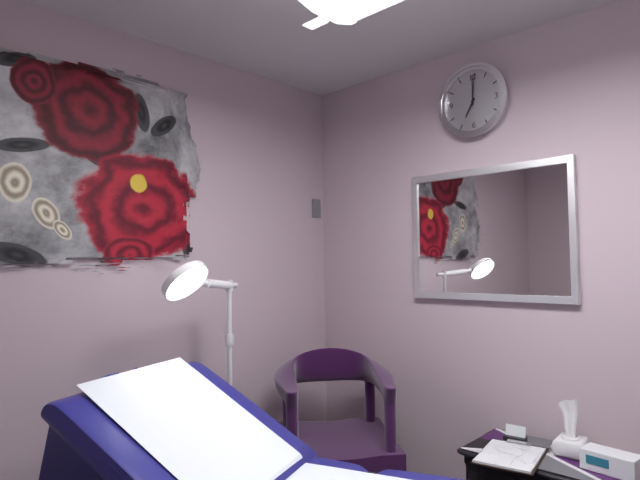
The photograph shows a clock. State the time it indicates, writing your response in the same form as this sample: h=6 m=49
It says h=7 m=0
